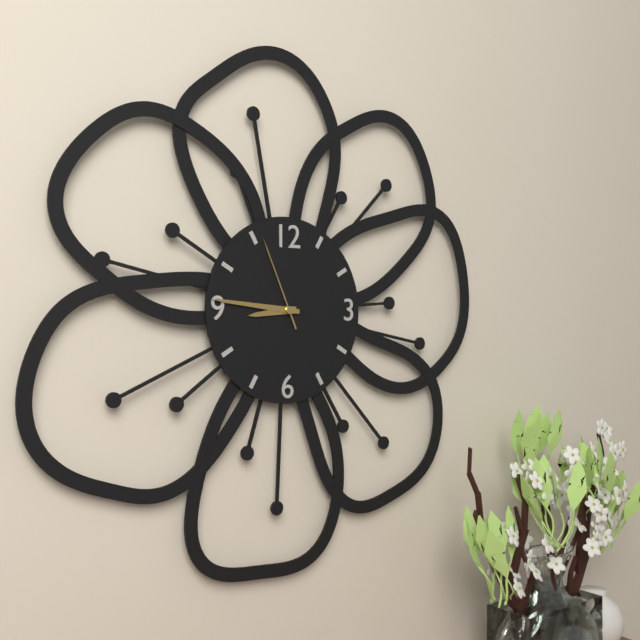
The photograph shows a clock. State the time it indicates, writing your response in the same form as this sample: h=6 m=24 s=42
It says h=8 m=46 s=56
